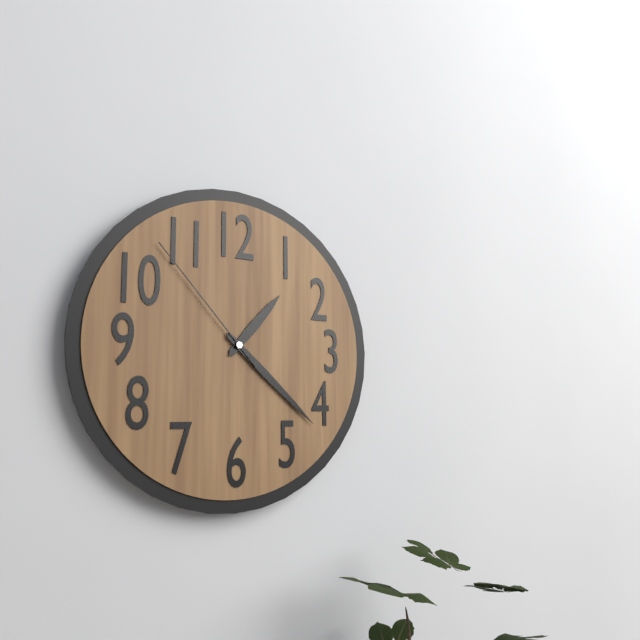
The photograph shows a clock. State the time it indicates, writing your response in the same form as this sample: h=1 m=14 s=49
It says h=1 m=22 s=53
